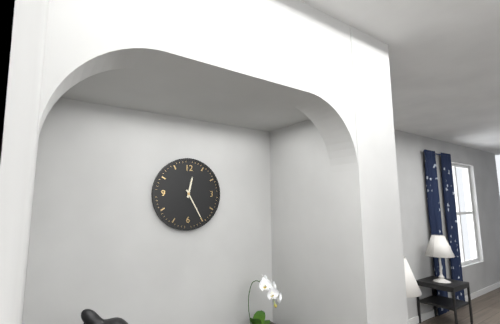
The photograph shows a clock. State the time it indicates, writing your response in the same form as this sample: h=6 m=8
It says h=12 m=25
